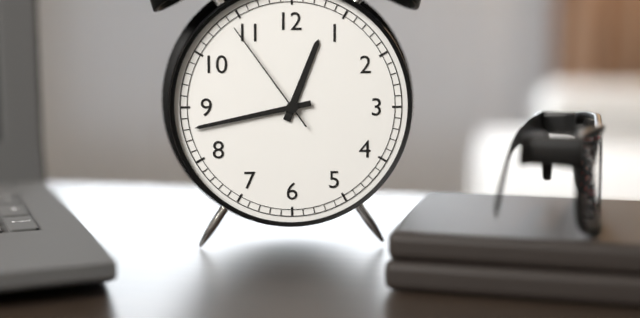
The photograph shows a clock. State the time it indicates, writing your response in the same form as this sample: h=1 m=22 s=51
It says h=12 m=43 s=54
